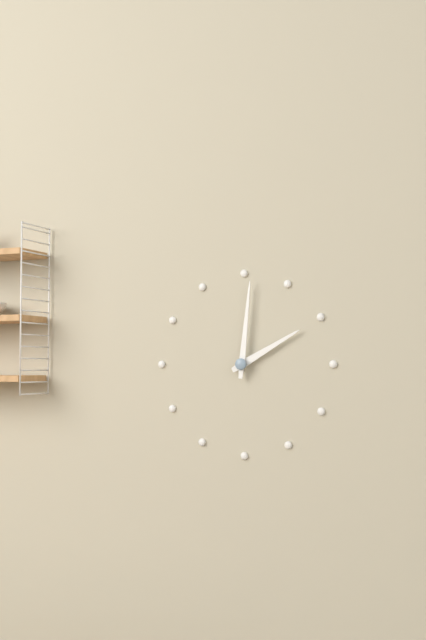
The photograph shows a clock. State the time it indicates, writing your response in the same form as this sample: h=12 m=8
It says h=2 m=1
